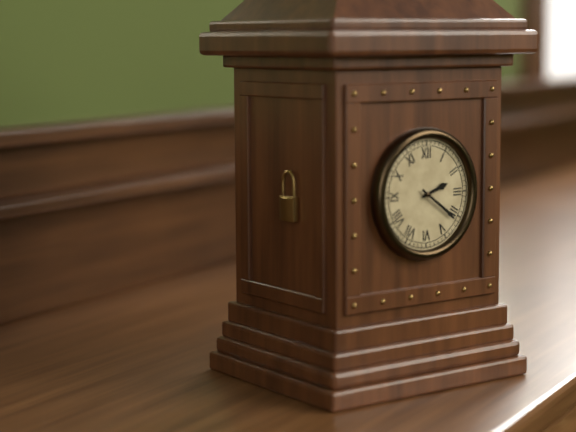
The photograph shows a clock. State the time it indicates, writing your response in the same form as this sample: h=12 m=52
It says h=2 m=21
